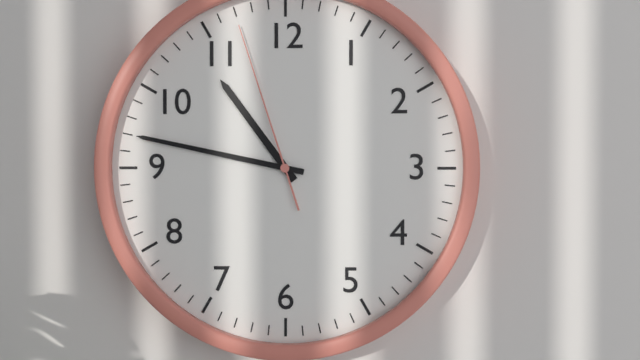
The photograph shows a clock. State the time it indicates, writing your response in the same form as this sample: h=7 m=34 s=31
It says h=10 m=47 s=57
